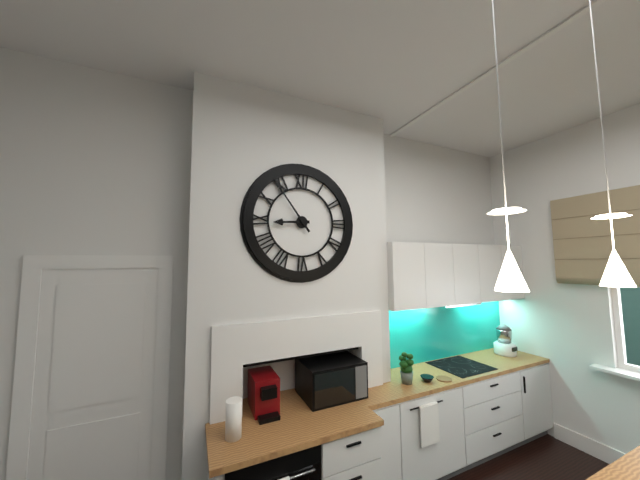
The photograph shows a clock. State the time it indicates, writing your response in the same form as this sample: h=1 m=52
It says h=8 m=54
